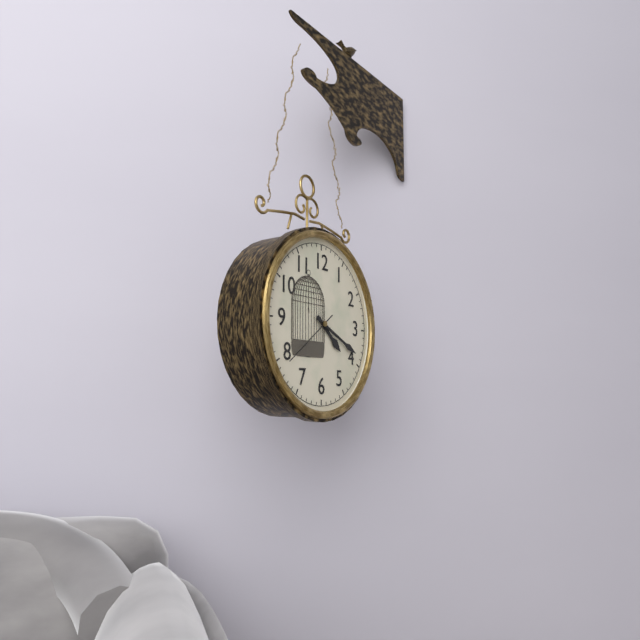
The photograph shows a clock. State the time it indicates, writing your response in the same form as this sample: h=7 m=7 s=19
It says h=4 m=19 s=39
